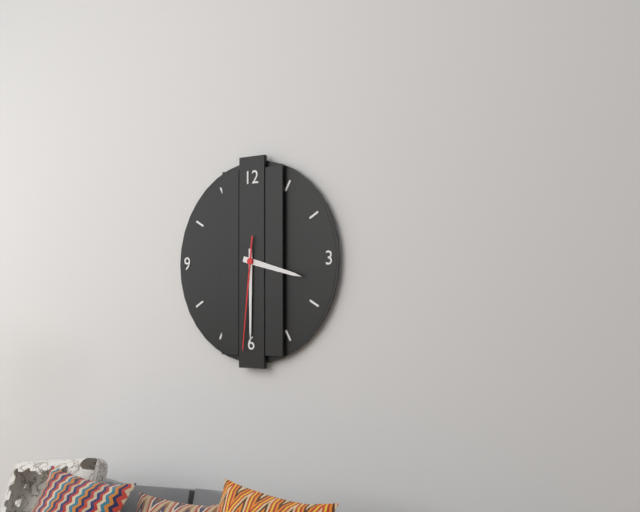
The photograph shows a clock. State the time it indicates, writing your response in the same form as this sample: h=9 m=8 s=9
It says h=3 m=30 s=31
